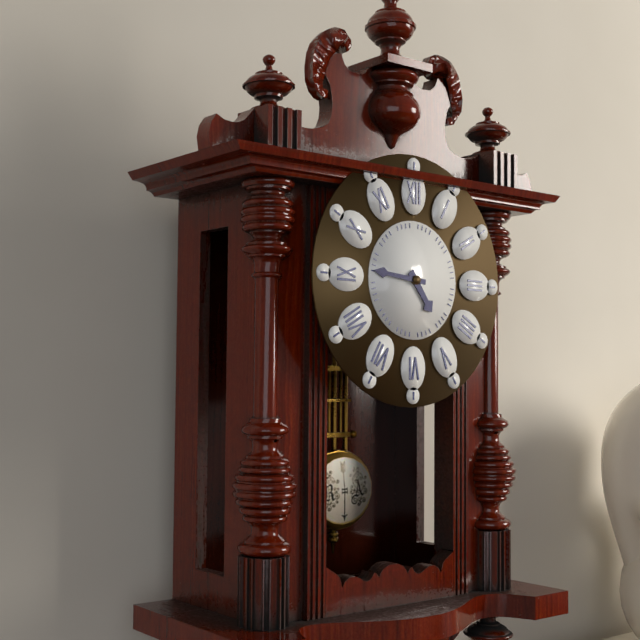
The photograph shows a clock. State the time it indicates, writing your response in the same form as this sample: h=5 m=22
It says h=4 m=46
